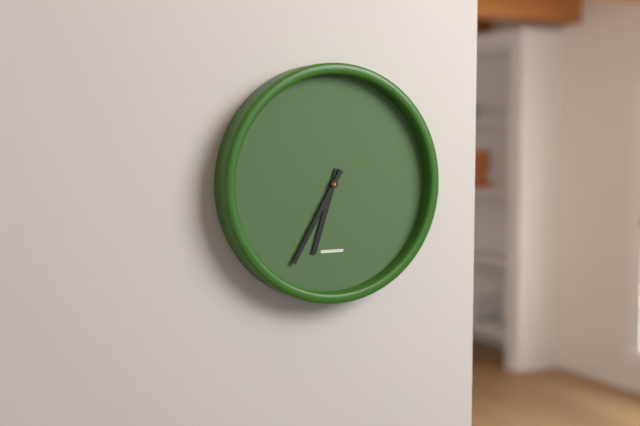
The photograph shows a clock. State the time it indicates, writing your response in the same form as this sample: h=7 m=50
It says h=6 m=35
